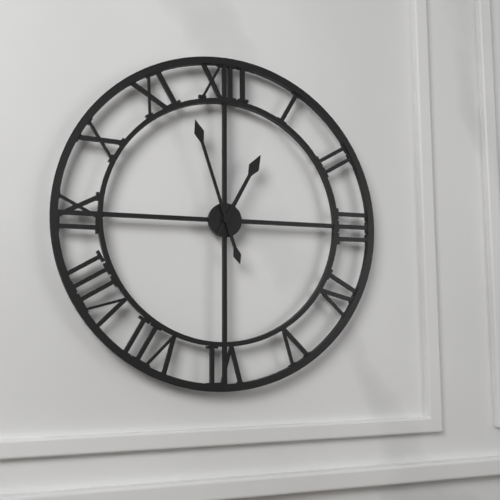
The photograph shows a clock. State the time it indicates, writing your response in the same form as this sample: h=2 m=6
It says h=12 m=57
